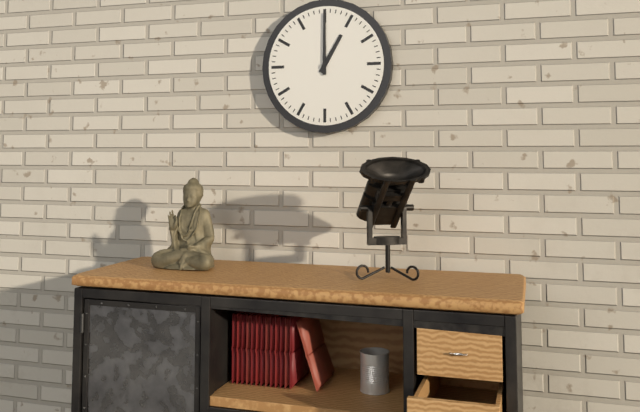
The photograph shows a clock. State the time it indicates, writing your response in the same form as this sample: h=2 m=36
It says h=1 m=0
